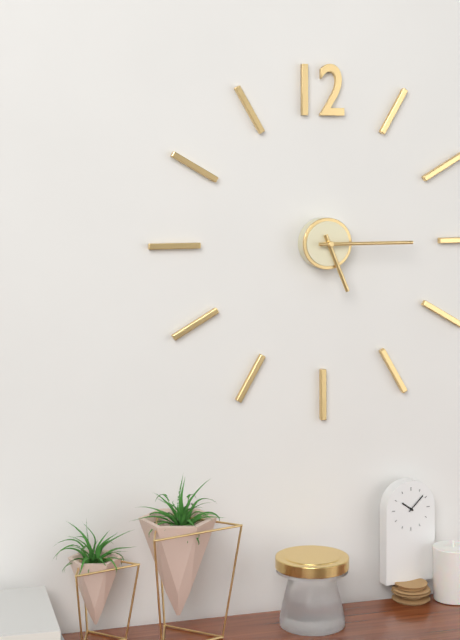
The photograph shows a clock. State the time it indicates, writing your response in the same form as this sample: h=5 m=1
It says h=5 m=15
